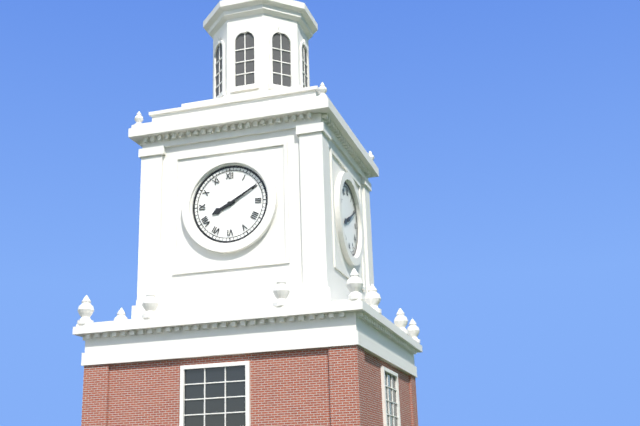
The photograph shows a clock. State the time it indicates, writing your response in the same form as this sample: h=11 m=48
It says h=8 m=10
